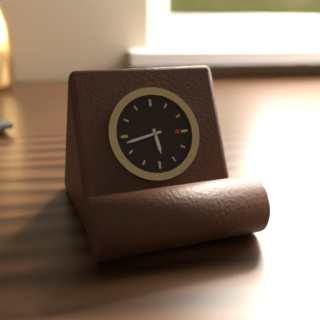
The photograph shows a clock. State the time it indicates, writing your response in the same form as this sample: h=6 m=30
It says h=5 m=43
